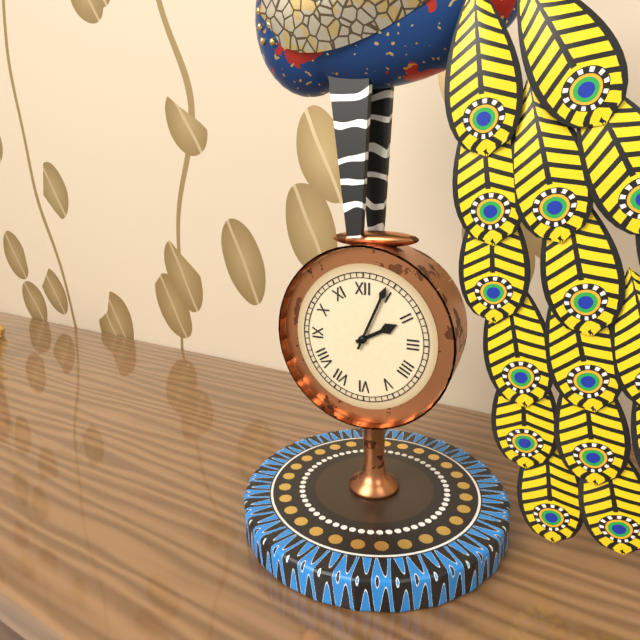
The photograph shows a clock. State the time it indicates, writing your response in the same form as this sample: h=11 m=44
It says h=2 m=4
